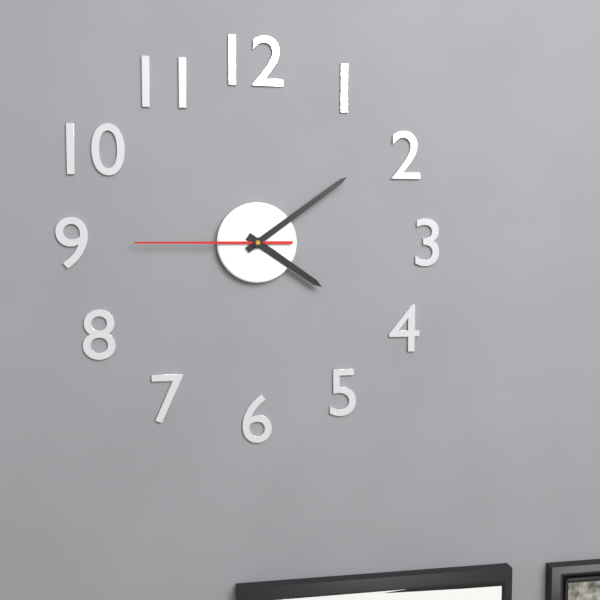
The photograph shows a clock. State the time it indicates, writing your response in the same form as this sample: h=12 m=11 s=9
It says h=4 m=9 s=45
